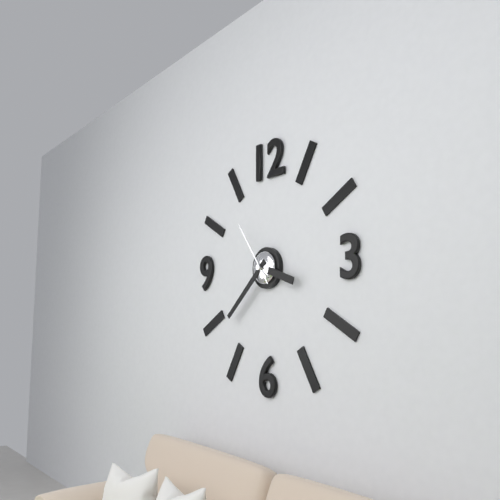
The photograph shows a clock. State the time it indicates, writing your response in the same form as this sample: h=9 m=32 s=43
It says h=3 m=38 s=54
